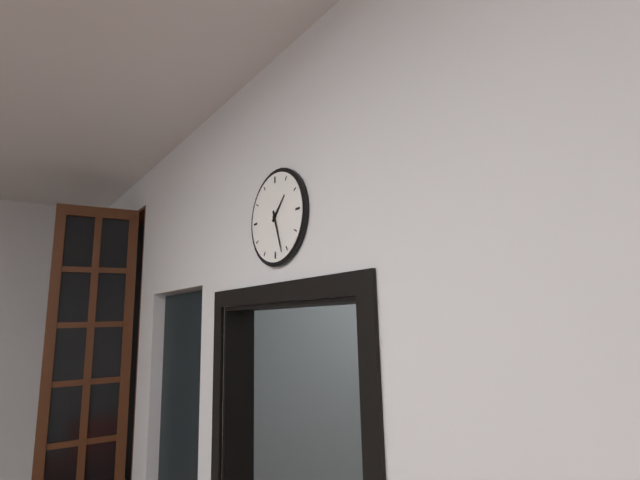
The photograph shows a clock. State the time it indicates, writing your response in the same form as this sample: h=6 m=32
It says h=1 m=27
